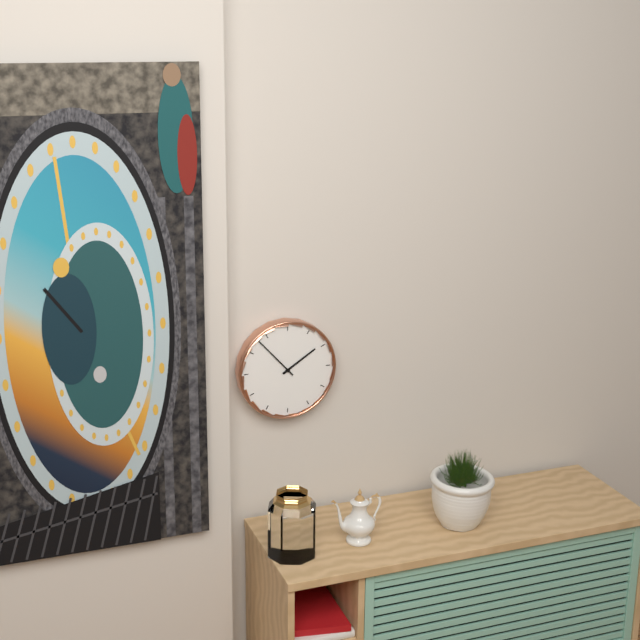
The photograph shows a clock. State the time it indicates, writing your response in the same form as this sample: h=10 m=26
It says h=1 m=53
